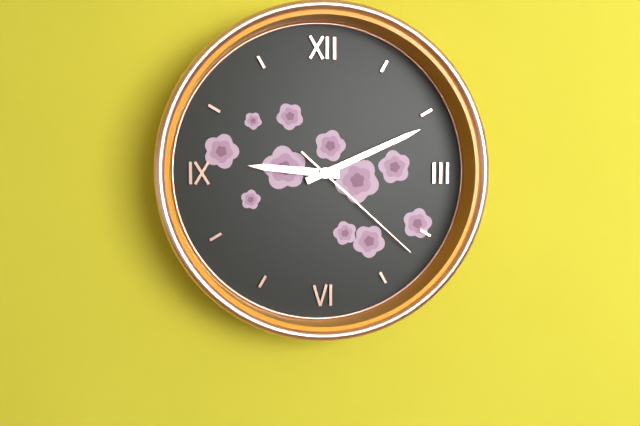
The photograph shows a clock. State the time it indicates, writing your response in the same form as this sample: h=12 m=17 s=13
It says h=9 m=11 s=22
